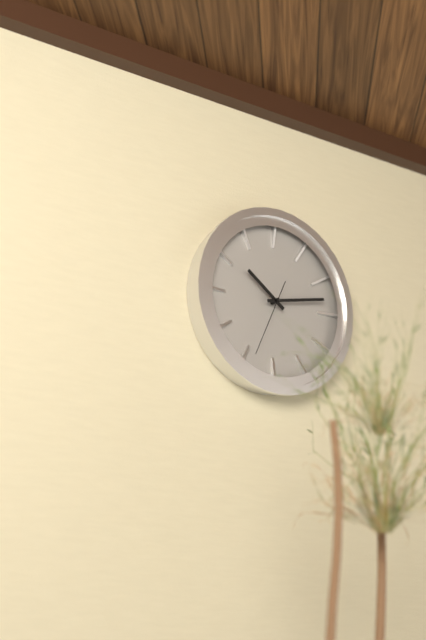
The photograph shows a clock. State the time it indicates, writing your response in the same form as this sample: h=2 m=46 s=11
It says h=10 m=13 s=34
